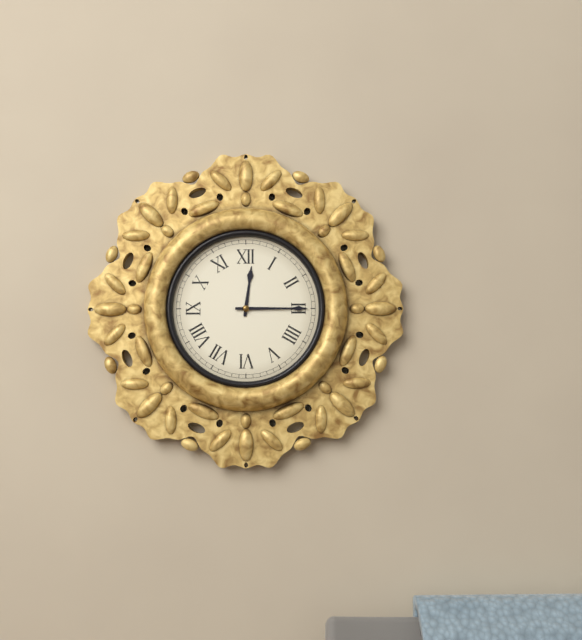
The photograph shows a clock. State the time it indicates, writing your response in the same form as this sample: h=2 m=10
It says h=12 m=15
